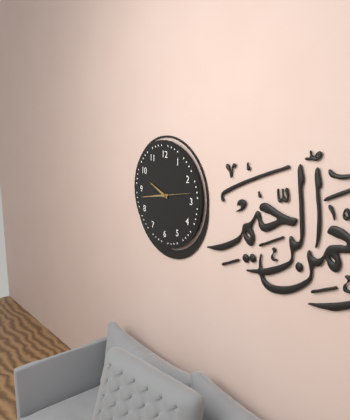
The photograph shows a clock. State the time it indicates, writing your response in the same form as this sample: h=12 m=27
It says h=9 m=43
